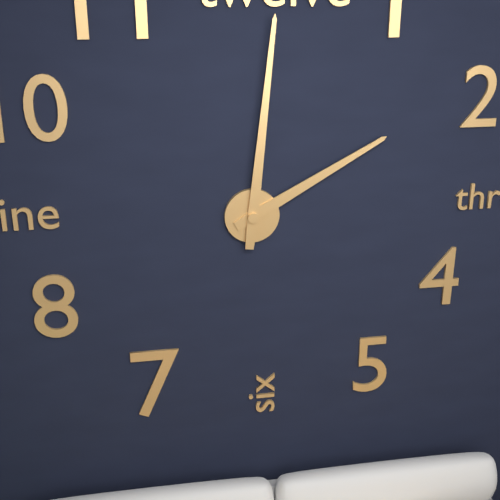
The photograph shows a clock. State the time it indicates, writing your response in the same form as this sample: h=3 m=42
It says h=2 m=1
